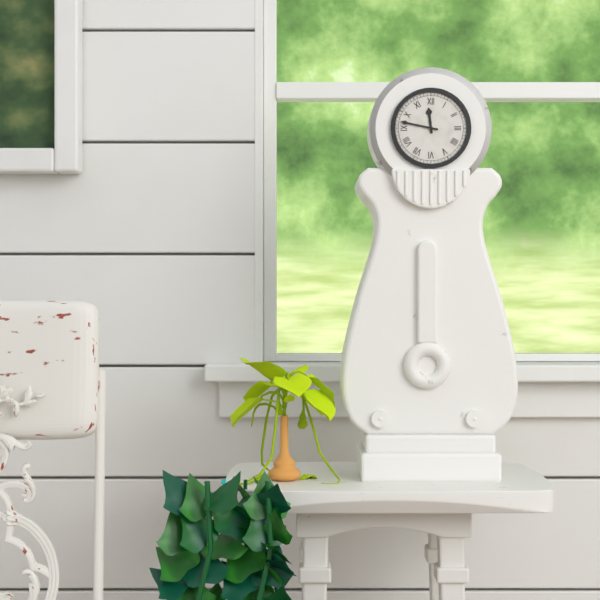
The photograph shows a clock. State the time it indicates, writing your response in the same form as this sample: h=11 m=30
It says h=11 m=47
